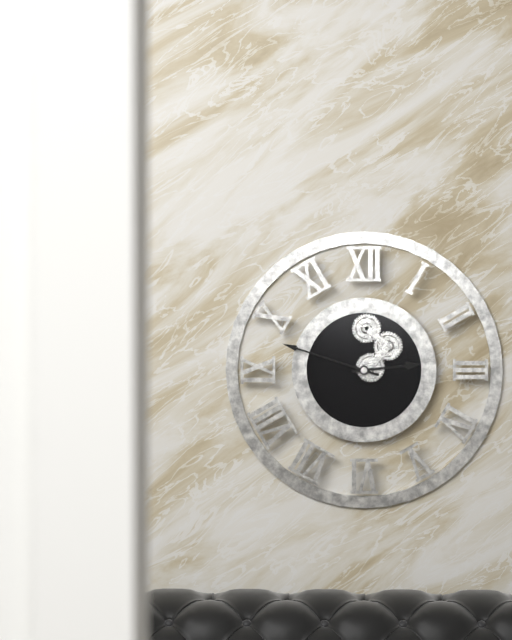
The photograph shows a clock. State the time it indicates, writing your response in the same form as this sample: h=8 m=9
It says h=2 m=48
